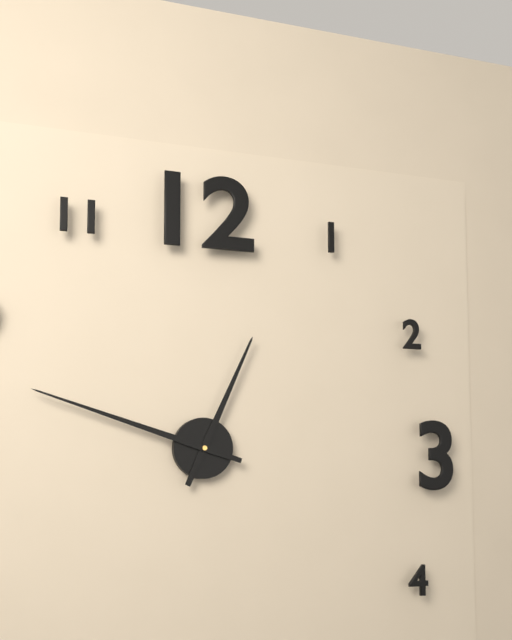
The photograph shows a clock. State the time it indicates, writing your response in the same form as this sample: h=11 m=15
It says h=12 m=48
